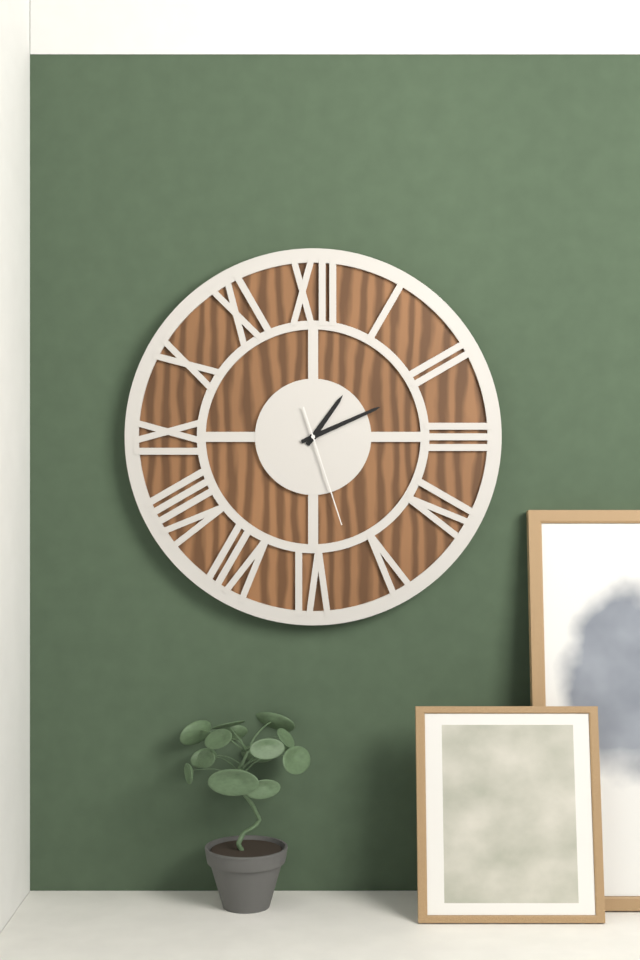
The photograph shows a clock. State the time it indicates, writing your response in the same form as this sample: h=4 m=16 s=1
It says h=1 m=11 s=27
